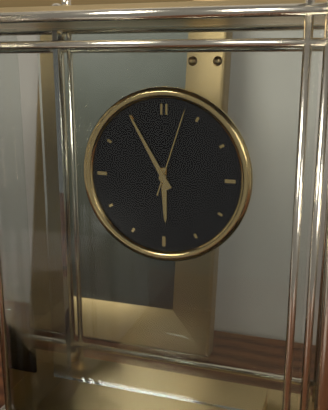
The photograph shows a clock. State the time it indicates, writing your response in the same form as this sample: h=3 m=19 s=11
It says h=5 m=55 s=3
